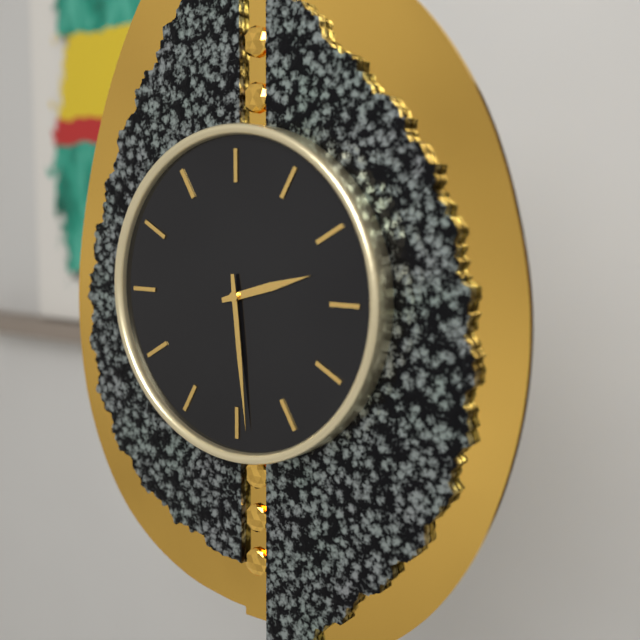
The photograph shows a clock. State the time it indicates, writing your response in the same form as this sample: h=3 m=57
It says h=2 m=29
